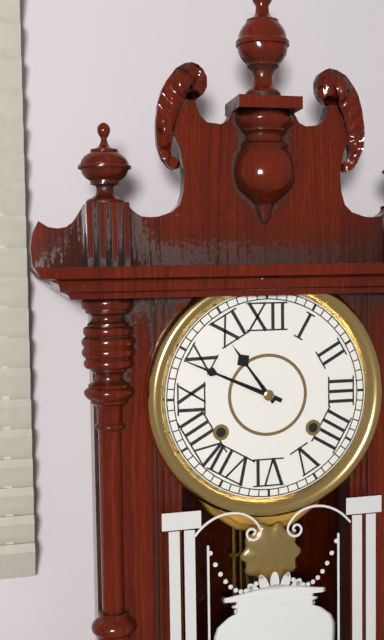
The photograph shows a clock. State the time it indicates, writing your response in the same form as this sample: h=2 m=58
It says h=10 m=49
